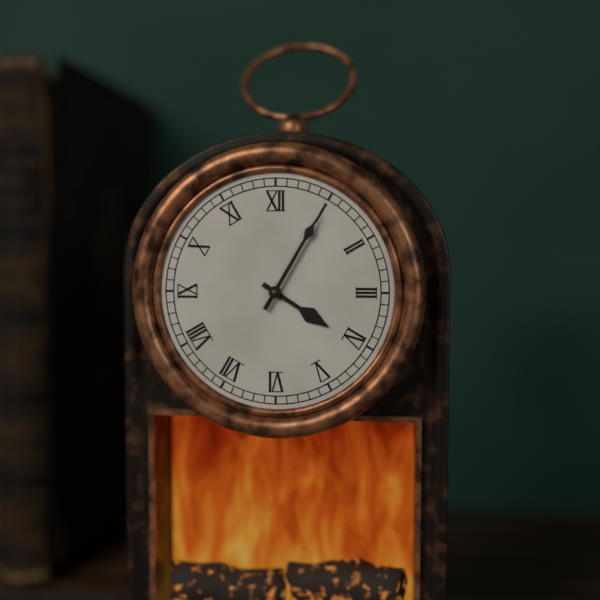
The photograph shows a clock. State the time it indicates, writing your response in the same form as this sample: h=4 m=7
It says h=4 m=5
